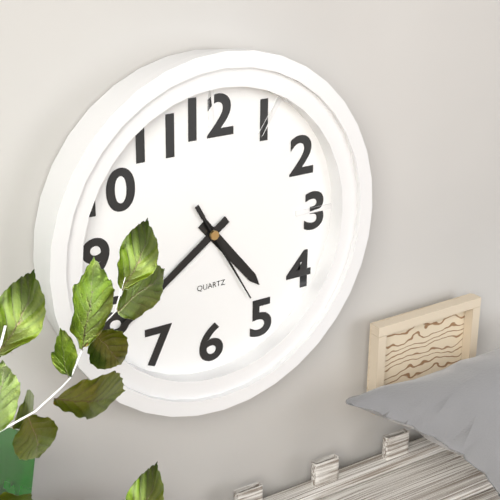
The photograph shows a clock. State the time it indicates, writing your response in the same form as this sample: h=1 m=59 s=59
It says h=4 m=39 s=25
